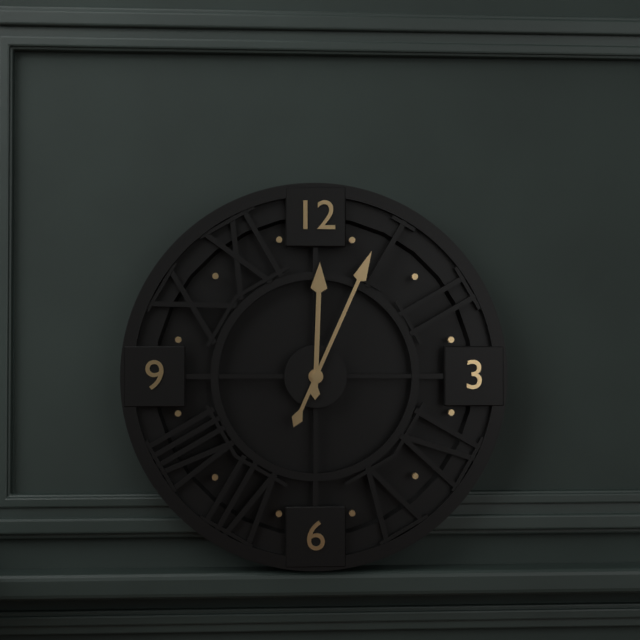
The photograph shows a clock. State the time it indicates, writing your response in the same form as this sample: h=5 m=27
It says h=12 m=4
